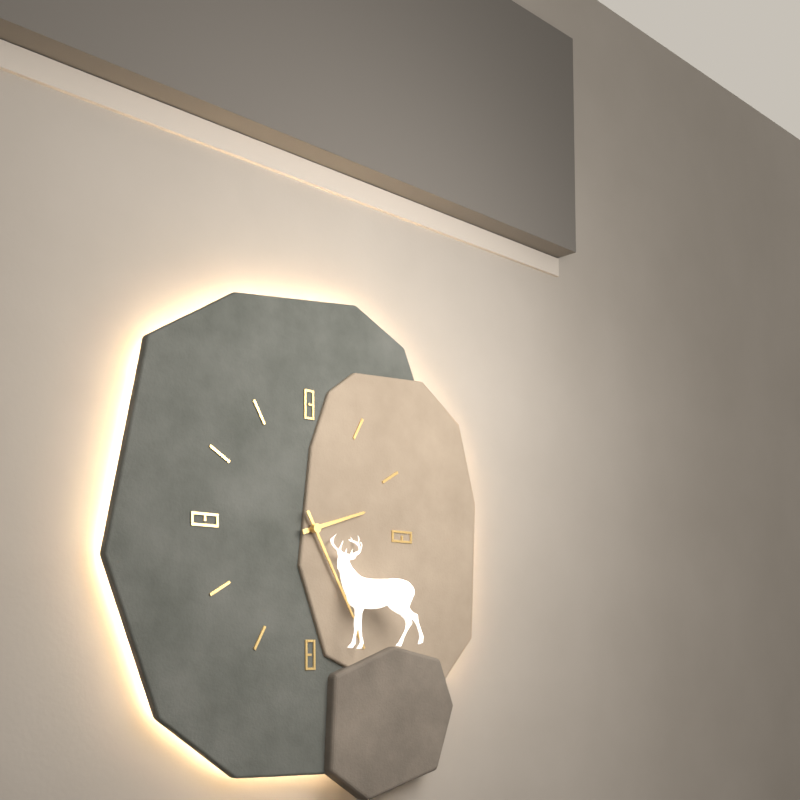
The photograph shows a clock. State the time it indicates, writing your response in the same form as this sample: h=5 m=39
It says h=2 m=25
